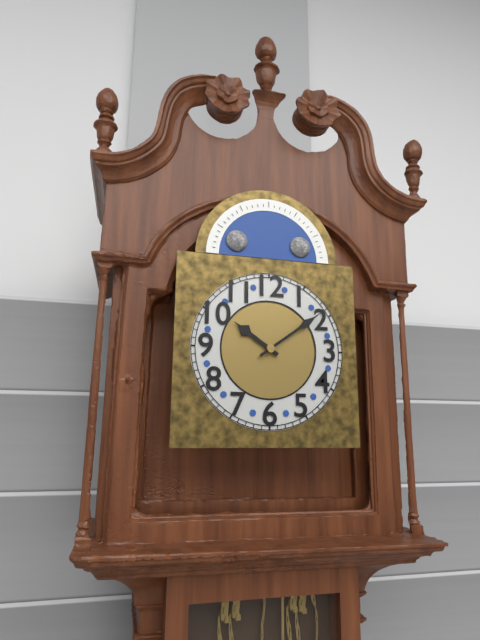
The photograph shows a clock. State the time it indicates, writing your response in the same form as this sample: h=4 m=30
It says h=10 m=9
